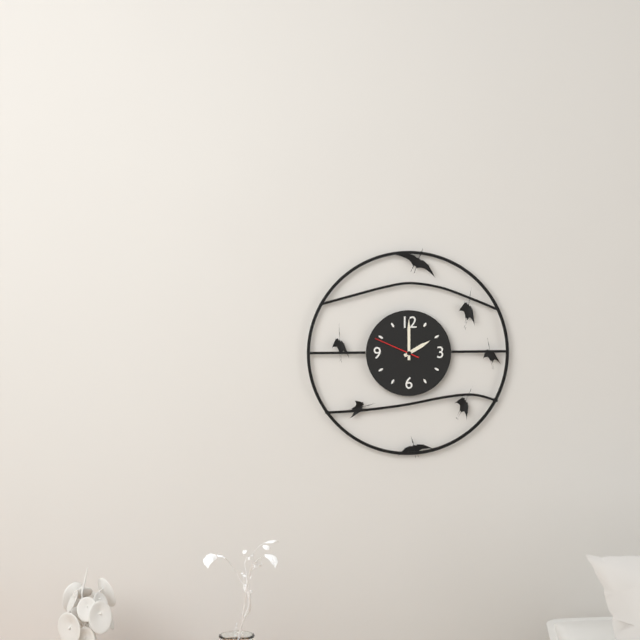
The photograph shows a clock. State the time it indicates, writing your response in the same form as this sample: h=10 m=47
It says h=2 m=0
